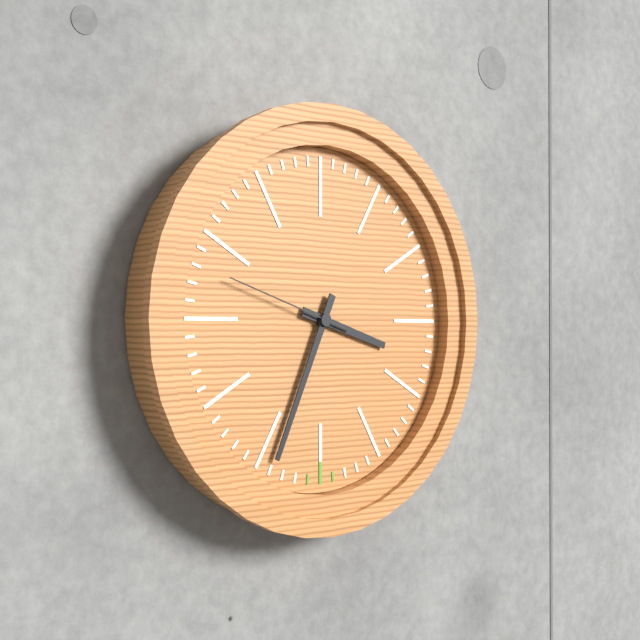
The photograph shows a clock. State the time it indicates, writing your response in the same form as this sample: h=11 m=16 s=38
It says h=3 m=34 s=48
